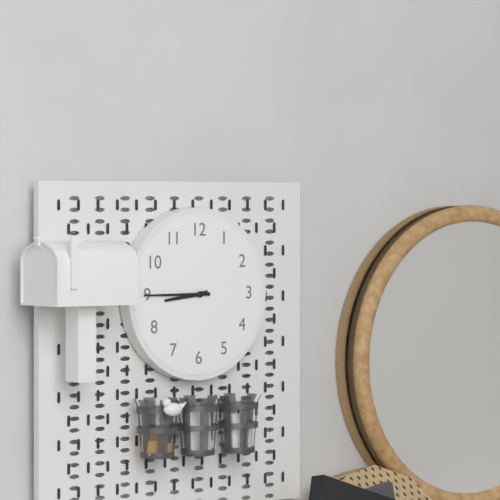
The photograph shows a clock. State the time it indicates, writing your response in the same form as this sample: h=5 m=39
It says h=8 m=45
